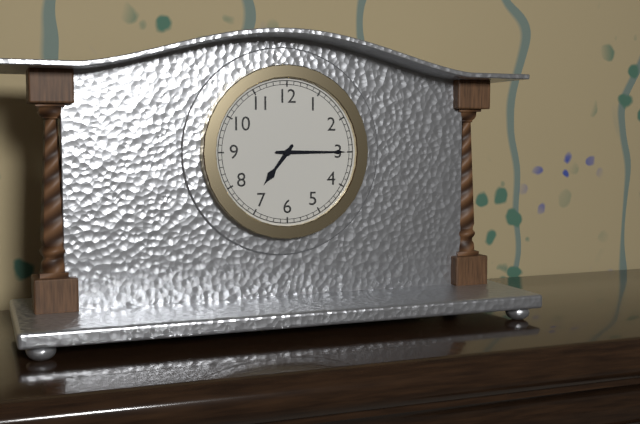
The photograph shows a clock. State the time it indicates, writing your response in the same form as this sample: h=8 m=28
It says h=7 m=15
